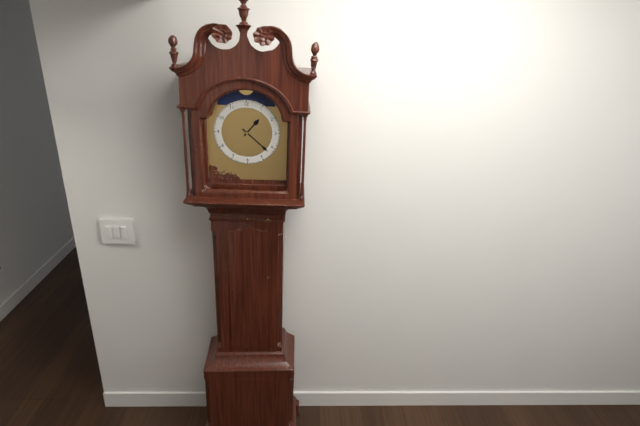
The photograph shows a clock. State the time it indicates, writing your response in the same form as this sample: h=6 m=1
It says h=1 m=22
